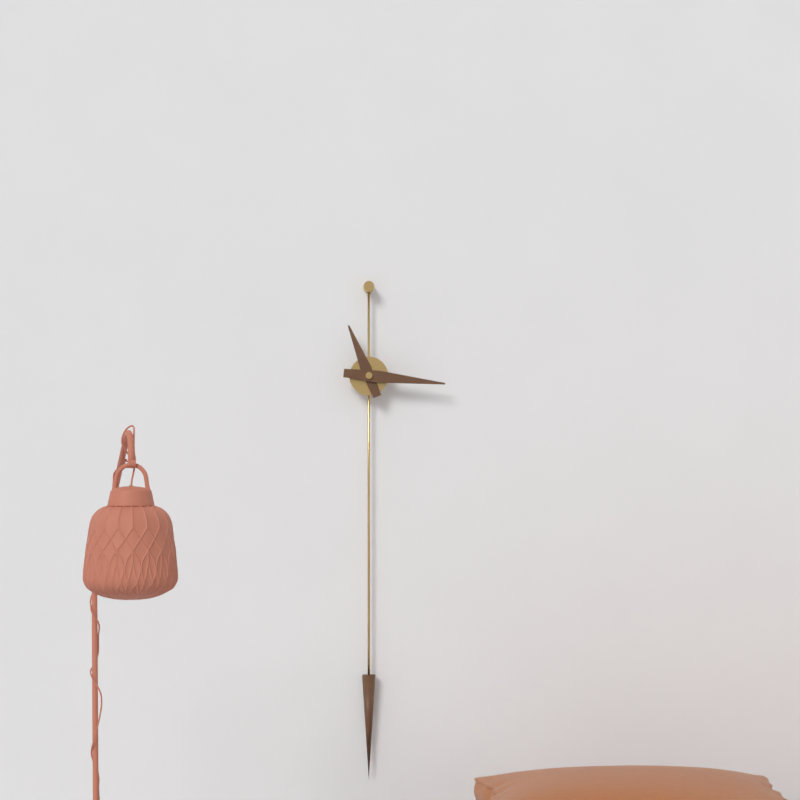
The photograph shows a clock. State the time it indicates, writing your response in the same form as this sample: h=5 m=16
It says h=11 m=16
